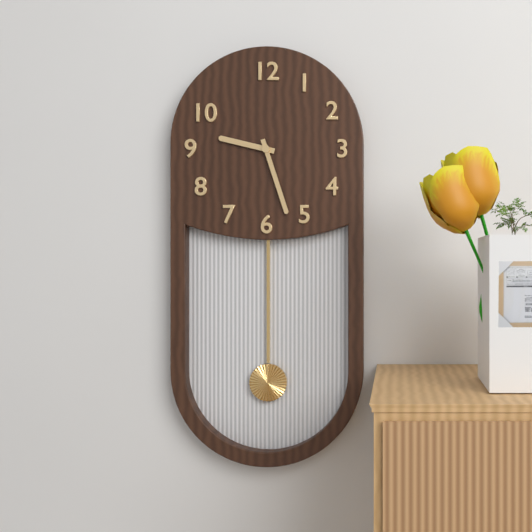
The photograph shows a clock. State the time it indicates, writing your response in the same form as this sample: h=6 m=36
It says h=9 m=27
